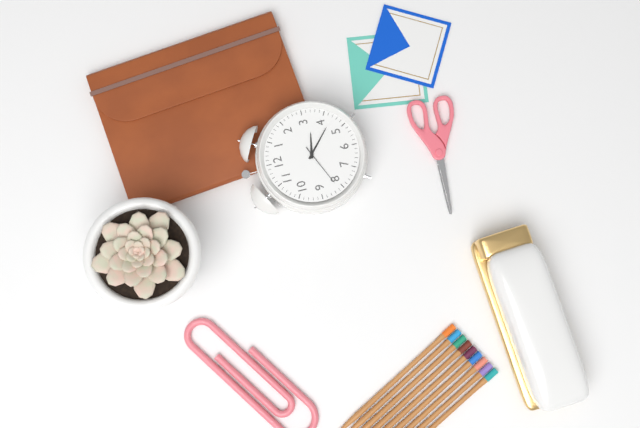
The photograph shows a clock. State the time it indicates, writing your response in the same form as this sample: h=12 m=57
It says h=3 m=22
